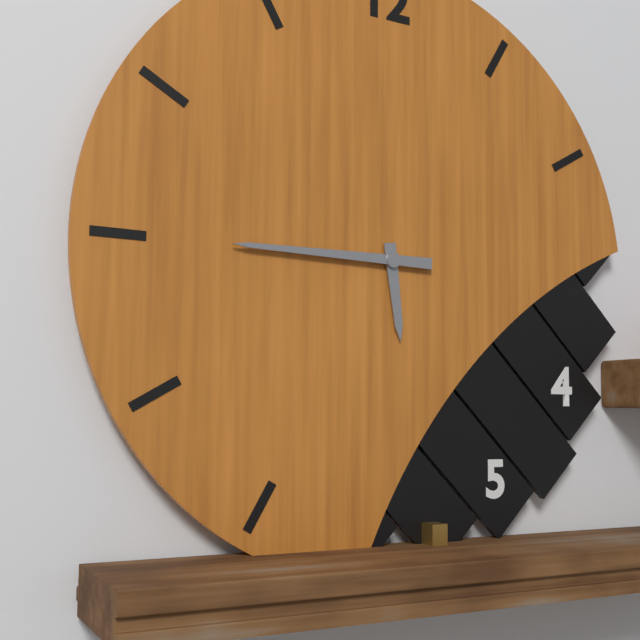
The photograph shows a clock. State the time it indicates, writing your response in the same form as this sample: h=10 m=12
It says h=5 m=45
